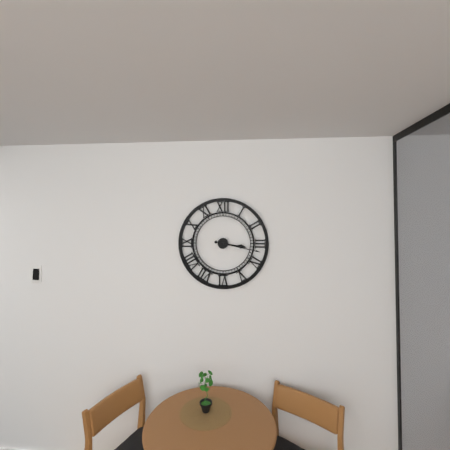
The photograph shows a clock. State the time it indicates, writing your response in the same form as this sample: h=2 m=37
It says h=3 m=17
